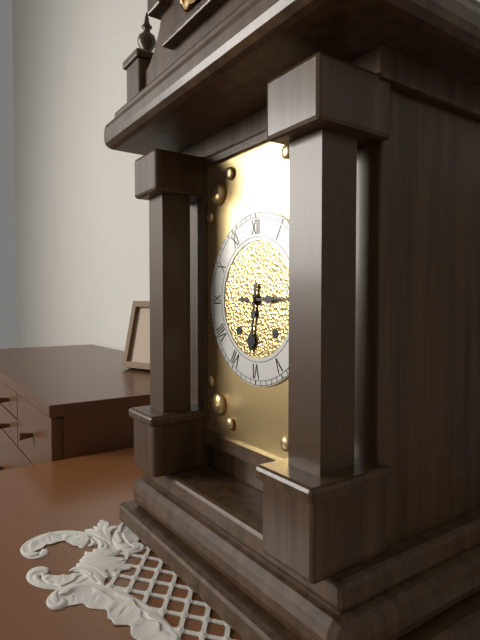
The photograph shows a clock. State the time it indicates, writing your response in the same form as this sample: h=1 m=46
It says h=6 m=15
